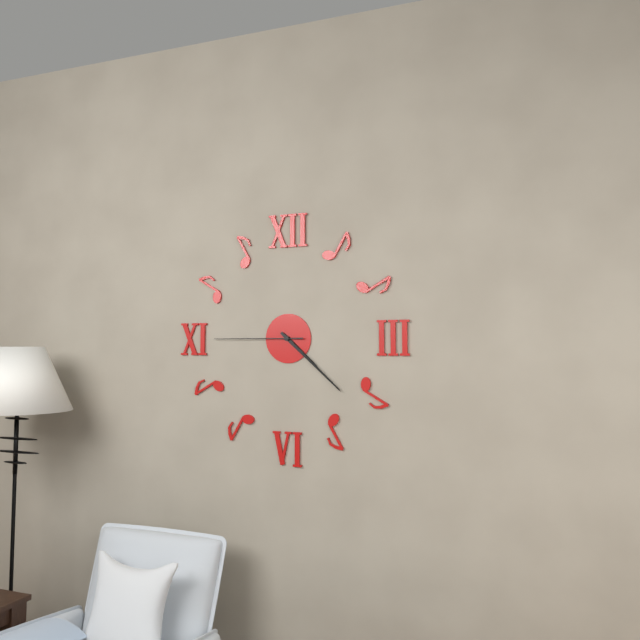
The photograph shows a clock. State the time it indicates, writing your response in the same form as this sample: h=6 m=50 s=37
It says h=4 m=22 s=45
